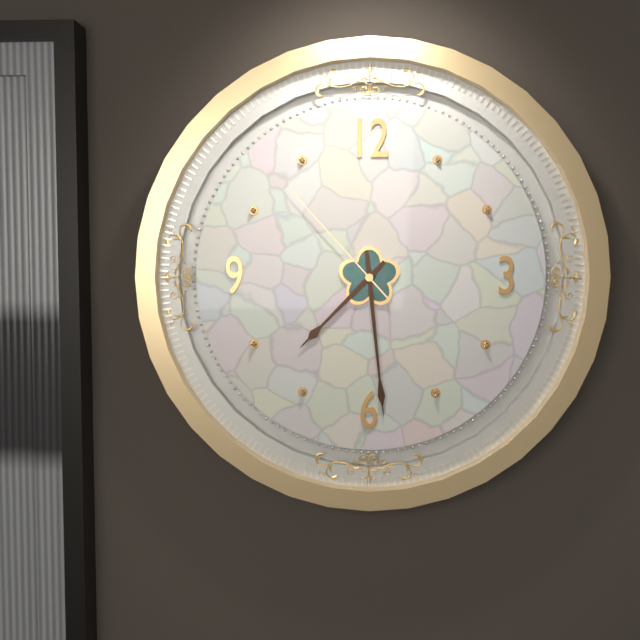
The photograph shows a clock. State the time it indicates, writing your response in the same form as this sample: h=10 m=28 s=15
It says h=7 m=29 s=53
